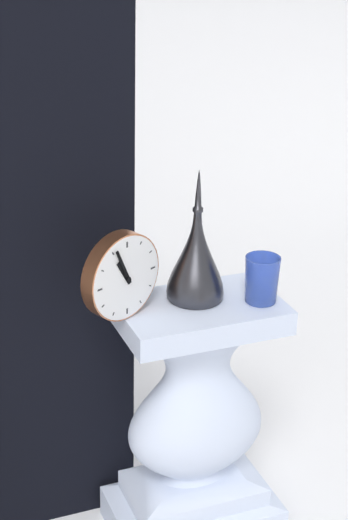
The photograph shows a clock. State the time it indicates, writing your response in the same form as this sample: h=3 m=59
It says h=10 m=56
